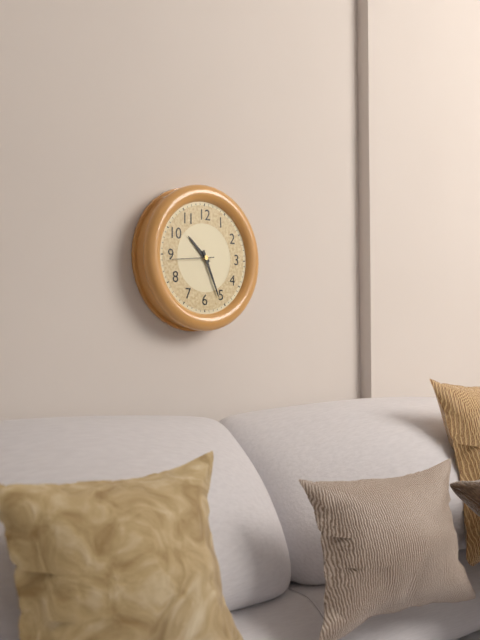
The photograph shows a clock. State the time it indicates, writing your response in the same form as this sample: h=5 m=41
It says h=10 m=26
